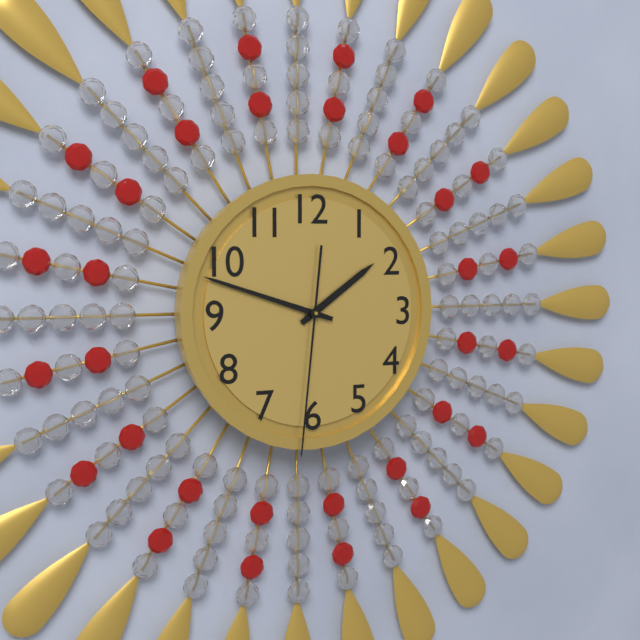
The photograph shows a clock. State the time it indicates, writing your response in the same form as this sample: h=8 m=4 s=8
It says h=1 m=48 s=31
